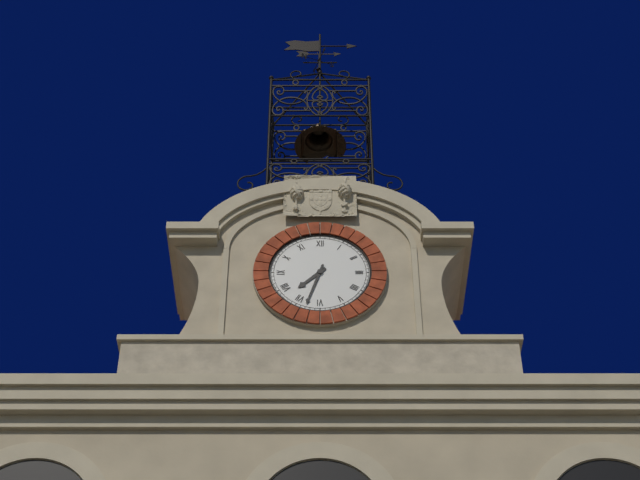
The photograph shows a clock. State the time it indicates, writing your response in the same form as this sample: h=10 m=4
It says h=7 m=33
